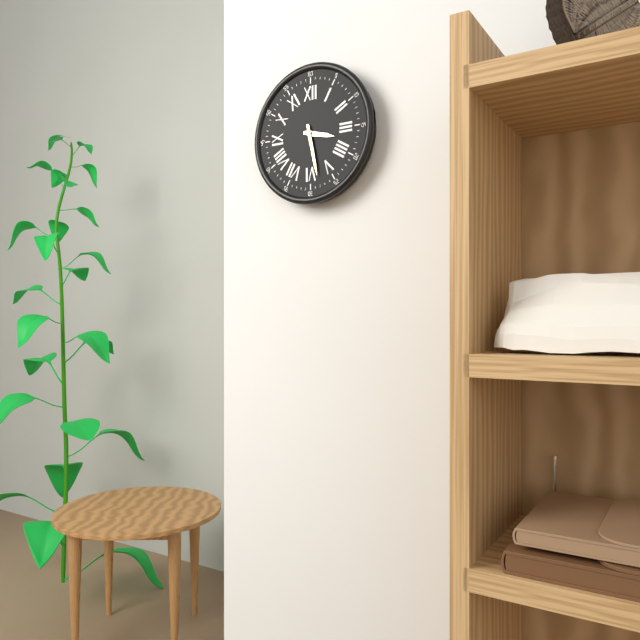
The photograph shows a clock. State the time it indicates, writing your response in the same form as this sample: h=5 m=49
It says h=3 m=28
